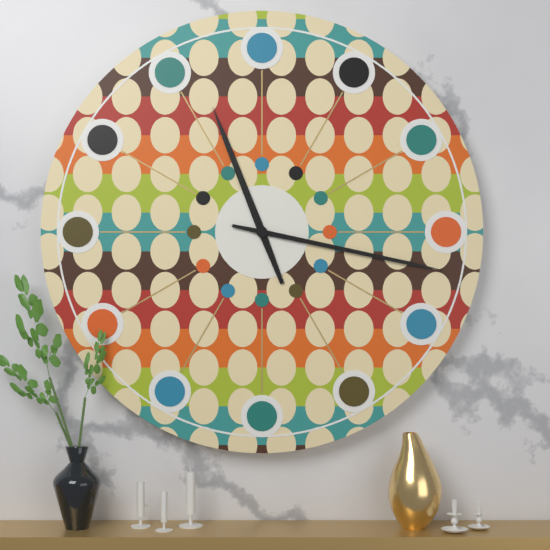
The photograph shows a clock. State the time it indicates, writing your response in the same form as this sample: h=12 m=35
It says h=11 m=17
